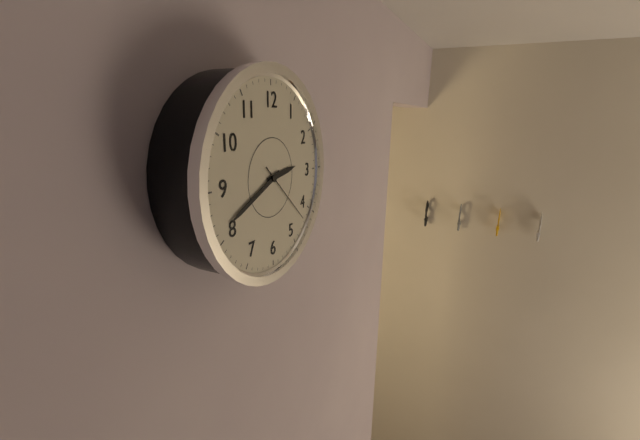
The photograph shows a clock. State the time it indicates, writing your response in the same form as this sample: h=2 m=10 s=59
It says h=2 m=41 s=22
